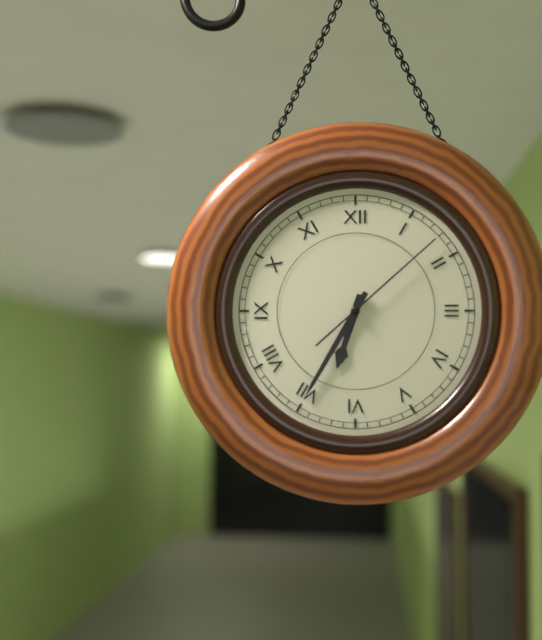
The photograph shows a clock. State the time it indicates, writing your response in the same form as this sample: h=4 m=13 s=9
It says h=6 m=35 s=8
